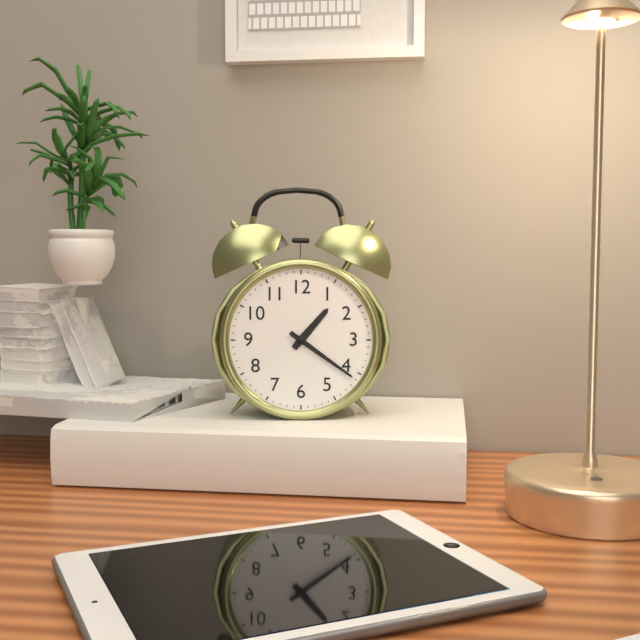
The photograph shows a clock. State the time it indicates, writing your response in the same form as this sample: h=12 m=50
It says h=1 m=21
